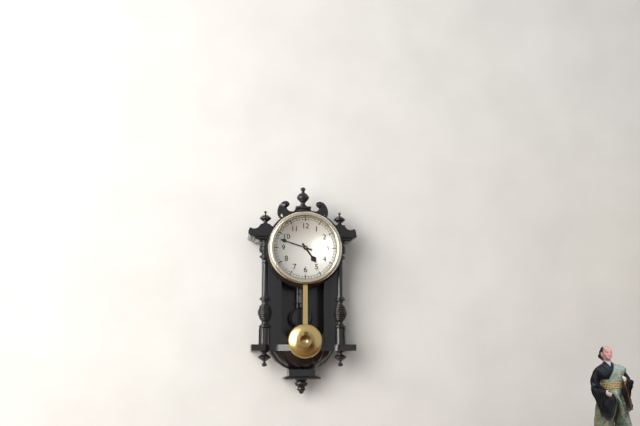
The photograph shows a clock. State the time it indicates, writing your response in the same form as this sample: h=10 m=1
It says h=4 m=48
